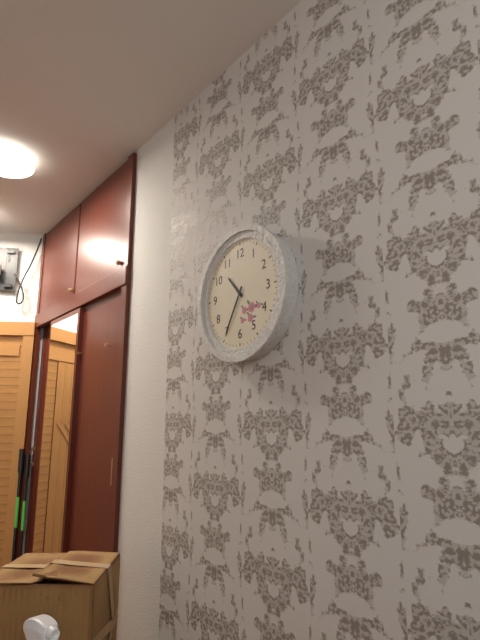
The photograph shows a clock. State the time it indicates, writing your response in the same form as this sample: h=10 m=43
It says h=10 m=35
